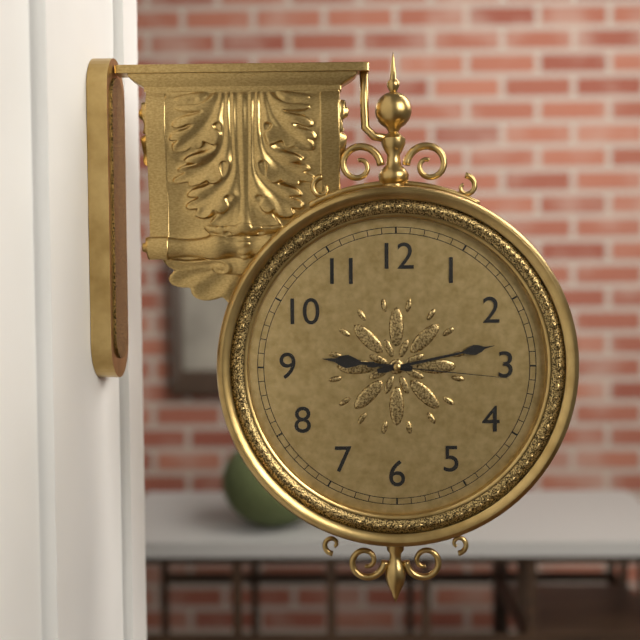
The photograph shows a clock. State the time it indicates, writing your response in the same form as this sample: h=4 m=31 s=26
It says h=9 m=13 s=16
